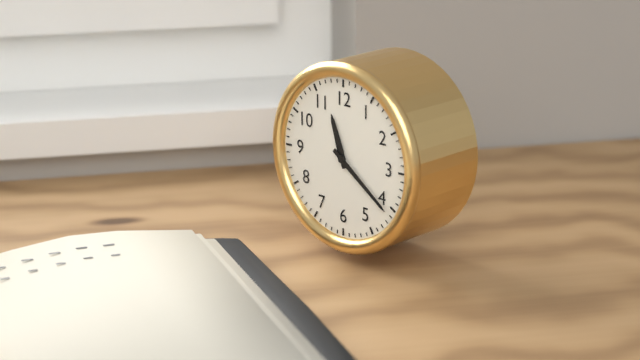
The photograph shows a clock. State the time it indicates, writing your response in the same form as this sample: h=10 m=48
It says h=11 m=21
